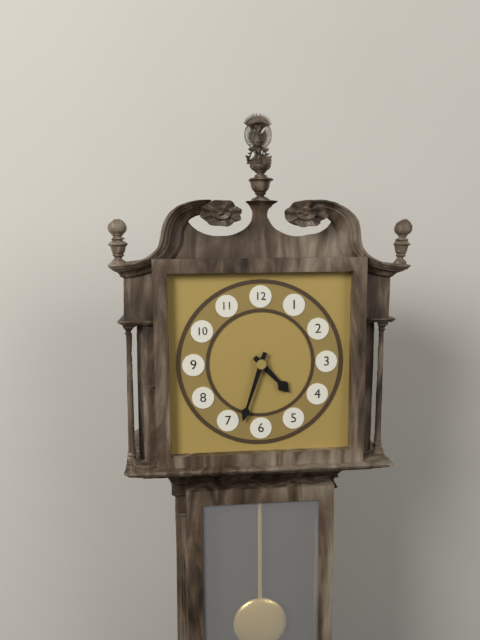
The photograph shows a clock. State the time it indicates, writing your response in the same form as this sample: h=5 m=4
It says h=4 m=33
